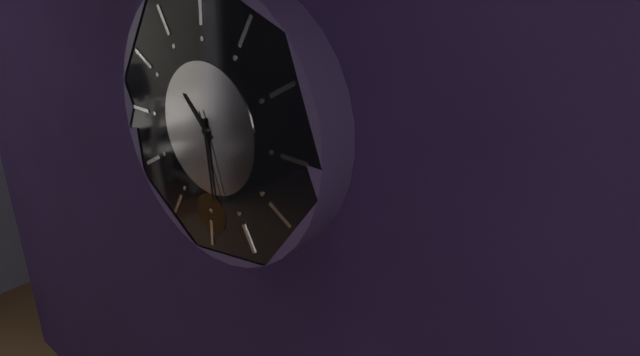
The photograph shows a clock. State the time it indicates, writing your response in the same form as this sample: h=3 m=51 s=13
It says h=10 m=29 s=27
